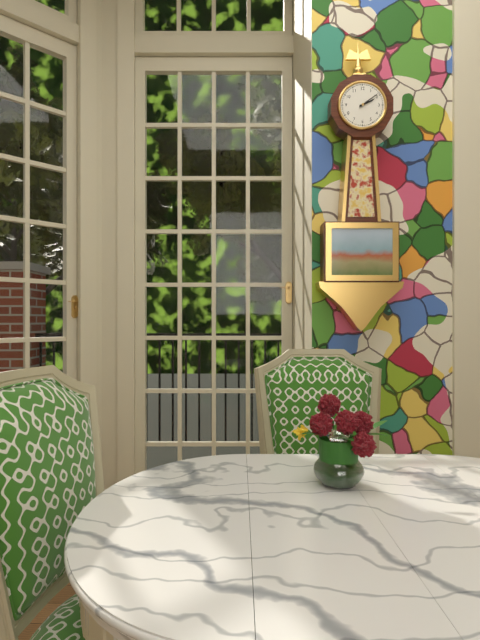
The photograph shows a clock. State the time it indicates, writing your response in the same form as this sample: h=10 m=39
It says h=2 m=9
